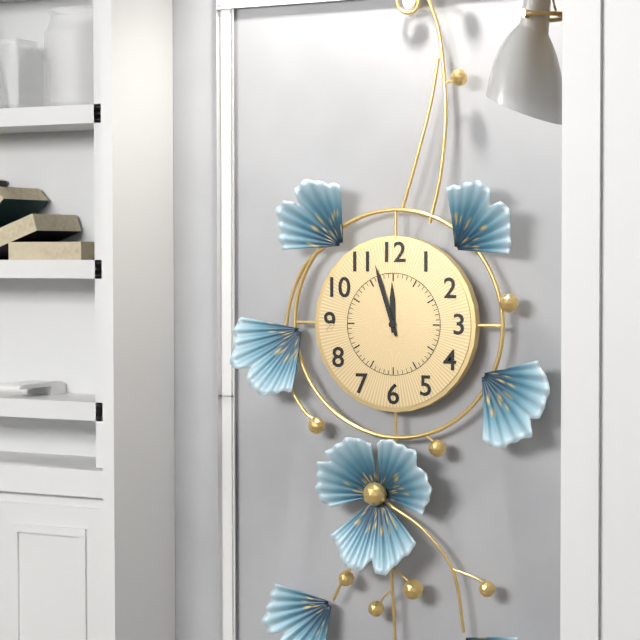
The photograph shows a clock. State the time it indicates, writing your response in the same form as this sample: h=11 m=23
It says h=11 m=57
